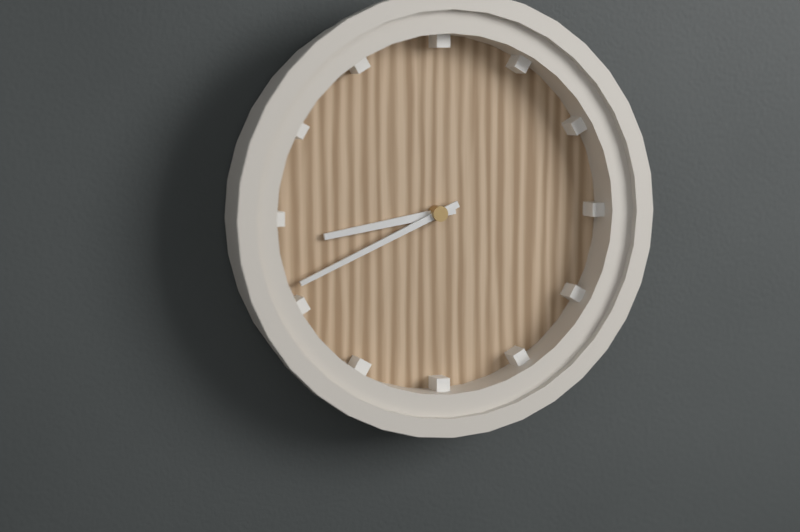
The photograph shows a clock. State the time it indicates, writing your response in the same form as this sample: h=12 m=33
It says h=8 m=41
